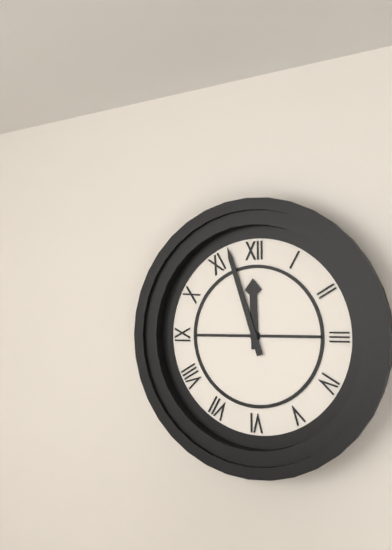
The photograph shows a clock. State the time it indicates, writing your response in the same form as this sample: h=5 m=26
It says h=11 m=57
